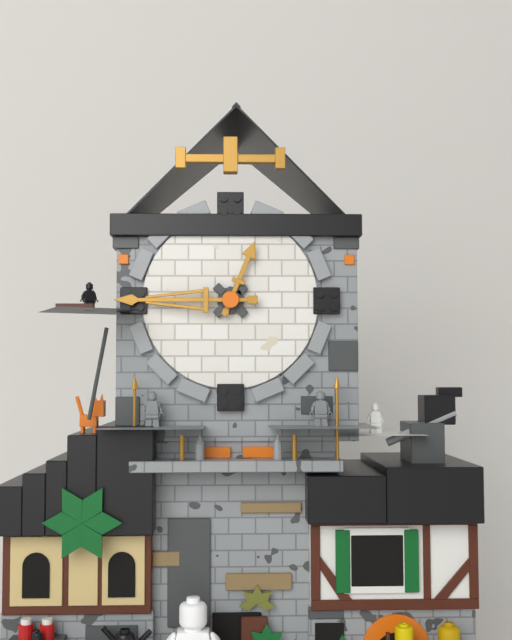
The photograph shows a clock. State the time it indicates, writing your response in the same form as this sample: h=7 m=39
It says h=12 m=45
